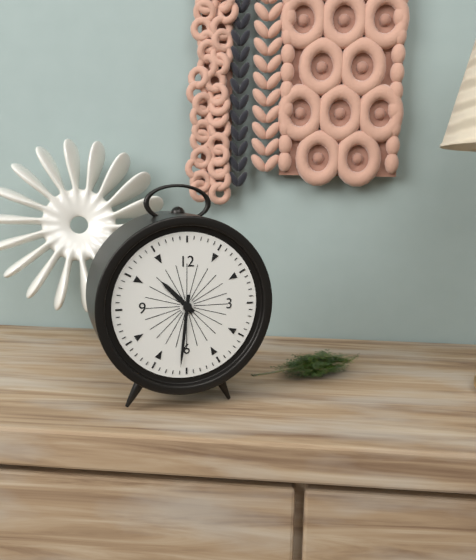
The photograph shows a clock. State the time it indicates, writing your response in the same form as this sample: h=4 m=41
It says h=10 m=31
